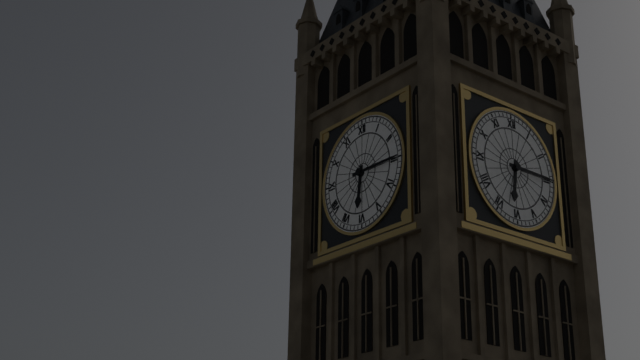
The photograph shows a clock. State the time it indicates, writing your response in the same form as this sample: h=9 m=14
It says h=6 m=15
